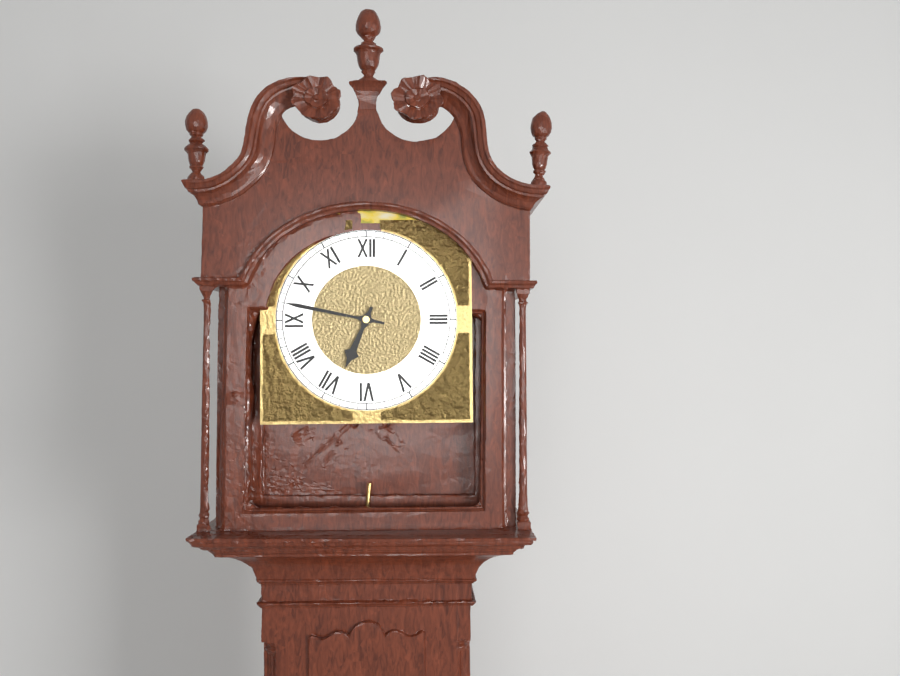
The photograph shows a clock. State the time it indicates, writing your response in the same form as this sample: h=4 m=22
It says h=6 m=47
